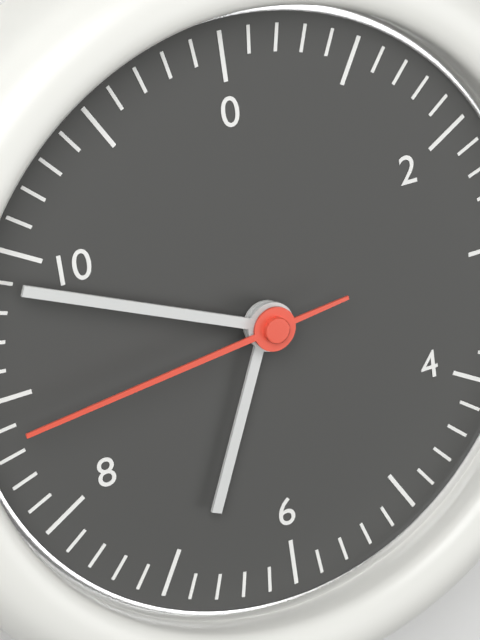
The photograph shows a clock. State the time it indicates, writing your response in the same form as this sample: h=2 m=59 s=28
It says h=6 m=49 s=44
